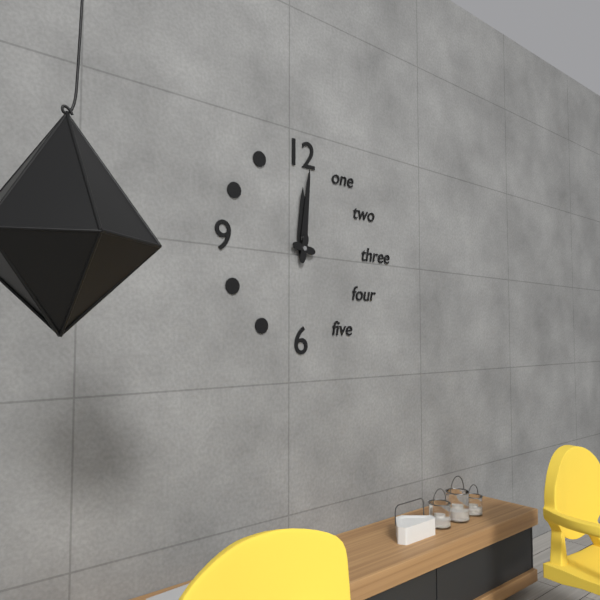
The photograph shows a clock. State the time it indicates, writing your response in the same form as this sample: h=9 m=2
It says h=12 m=1
